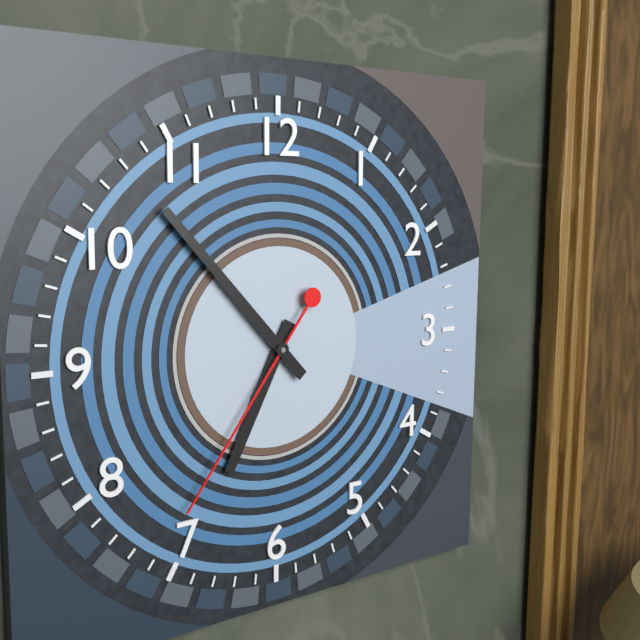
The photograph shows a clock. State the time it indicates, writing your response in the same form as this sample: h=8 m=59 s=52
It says h=6 m=53 s=36
